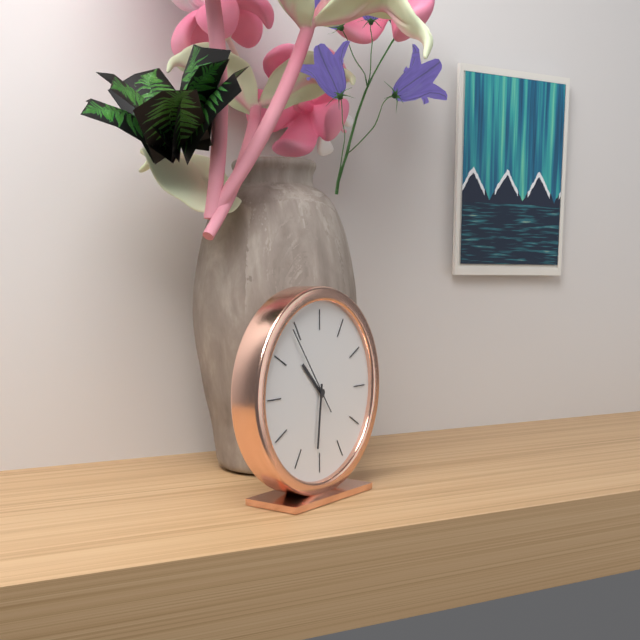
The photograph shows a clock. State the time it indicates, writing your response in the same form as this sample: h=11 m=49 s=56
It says h=10 m=31 s=54
